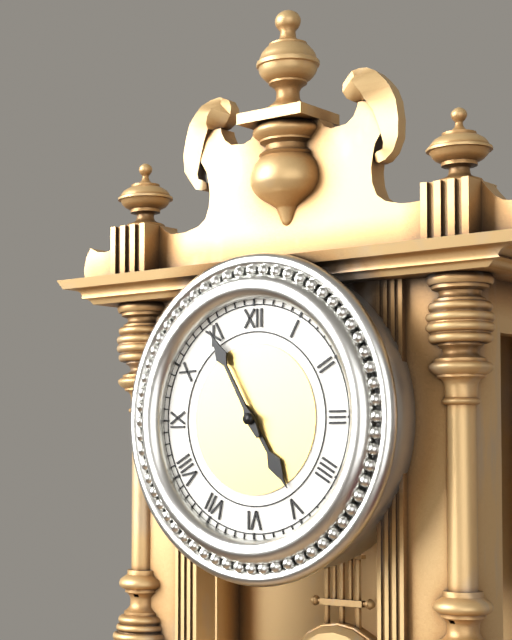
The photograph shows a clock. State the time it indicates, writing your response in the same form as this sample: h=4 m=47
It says h=4 m=55
